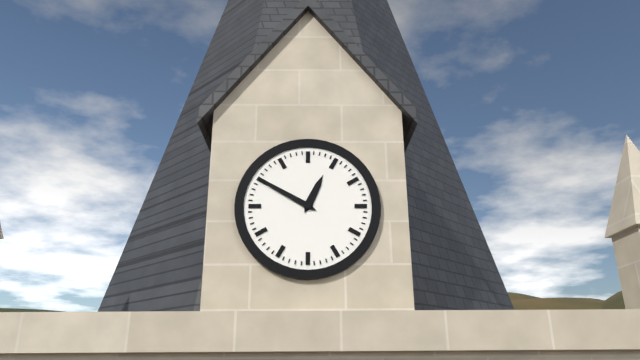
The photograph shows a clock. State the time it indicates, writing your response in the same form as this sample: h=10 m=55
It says h=12 m=50
